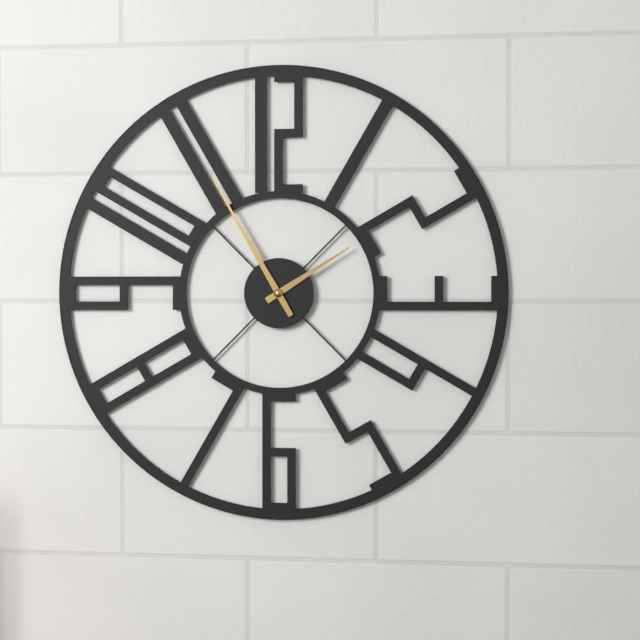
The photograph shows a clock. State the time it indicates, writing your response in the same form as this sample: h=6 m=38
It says h=1 m=55
